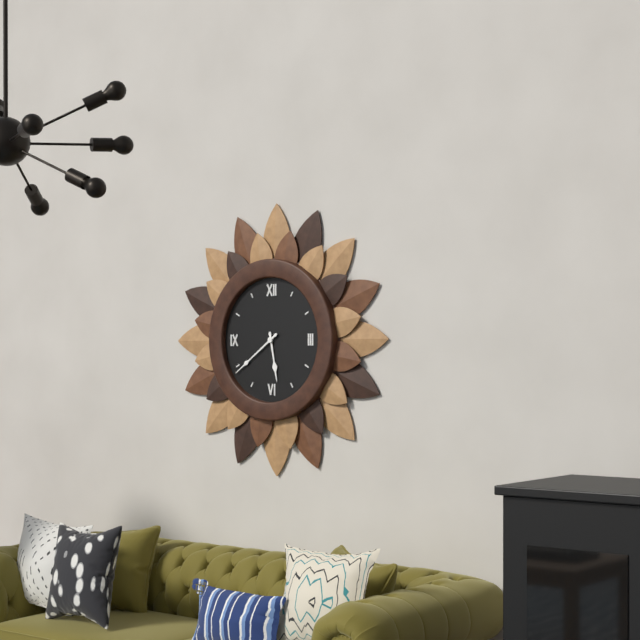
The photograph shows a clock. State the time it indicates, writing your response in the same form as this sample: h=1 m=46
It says h=5 m=39
